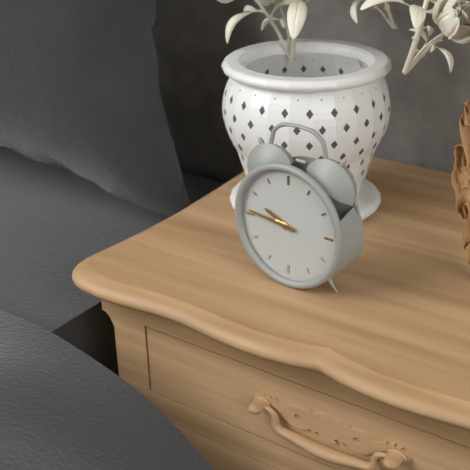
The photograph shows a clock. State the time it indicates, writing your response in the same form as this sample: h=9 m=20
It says h=9 m=46
